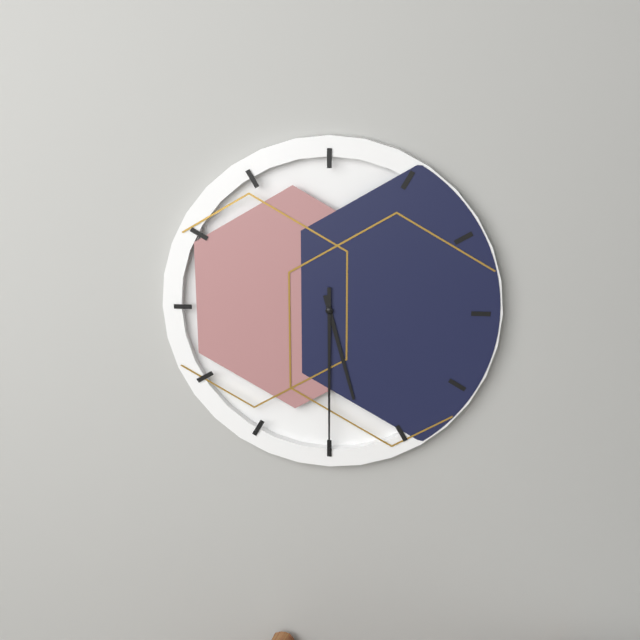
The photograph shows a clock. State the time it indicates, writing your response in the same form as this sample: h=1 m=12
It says h=5 m=30
